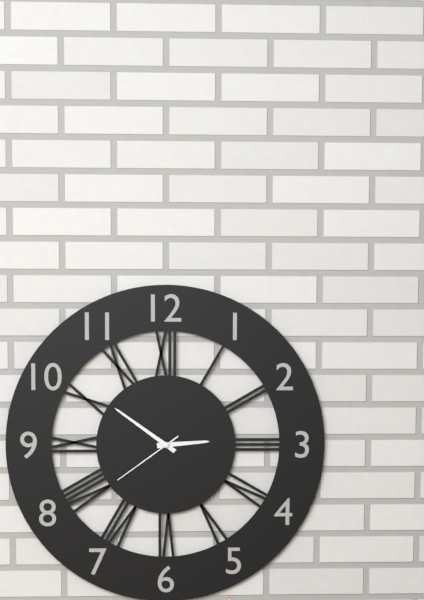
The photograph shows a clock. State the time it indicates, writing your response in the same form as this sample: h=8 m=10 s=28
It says h=2 m=51 s=39
